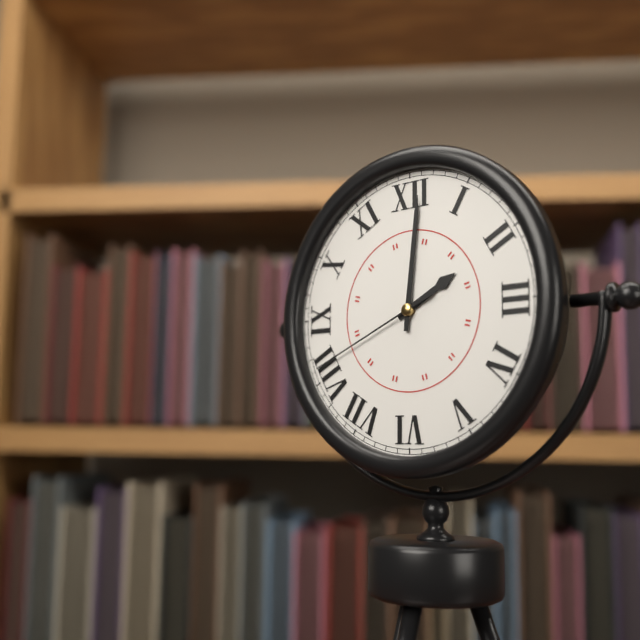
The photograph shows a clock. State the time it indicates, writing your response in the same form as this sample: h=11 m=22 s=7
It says h=2 m=1 s=41
